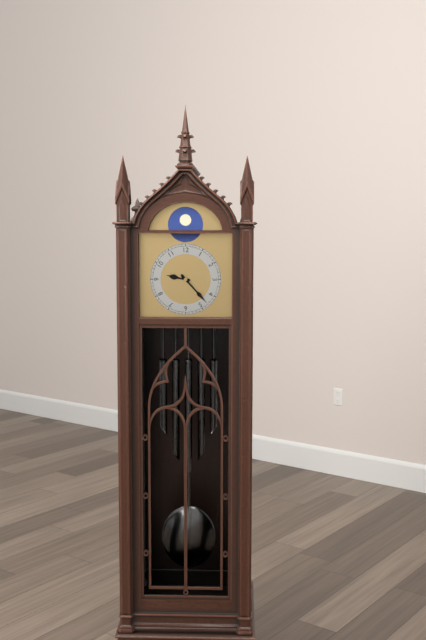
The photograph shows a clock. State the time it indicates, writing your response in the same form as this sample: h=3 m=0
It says h=9 m=23
